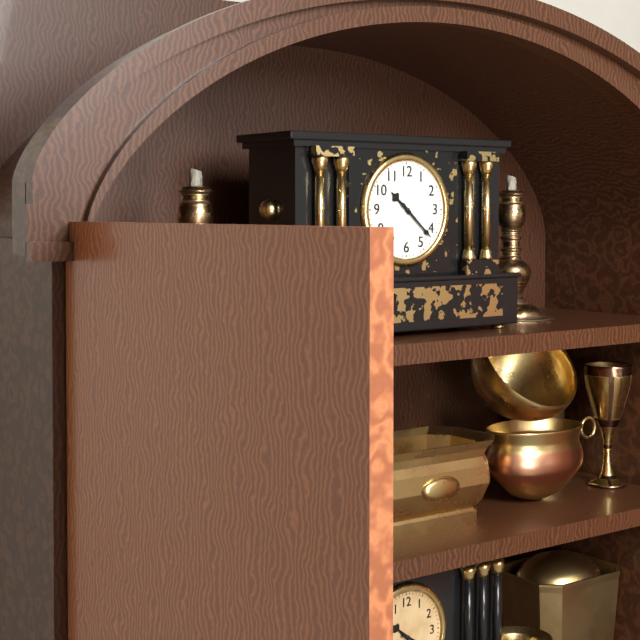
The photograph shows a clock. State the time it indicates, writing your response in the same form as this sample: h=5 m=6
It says h=10 m=22
